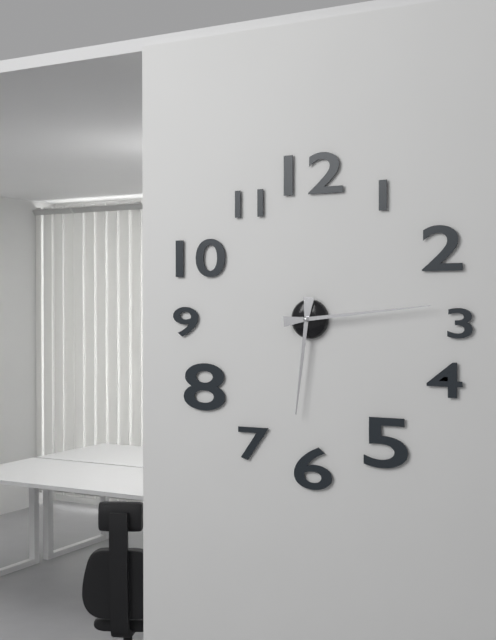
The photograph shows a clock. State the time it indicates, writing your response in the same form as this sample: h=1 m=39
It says h=6 m=14
